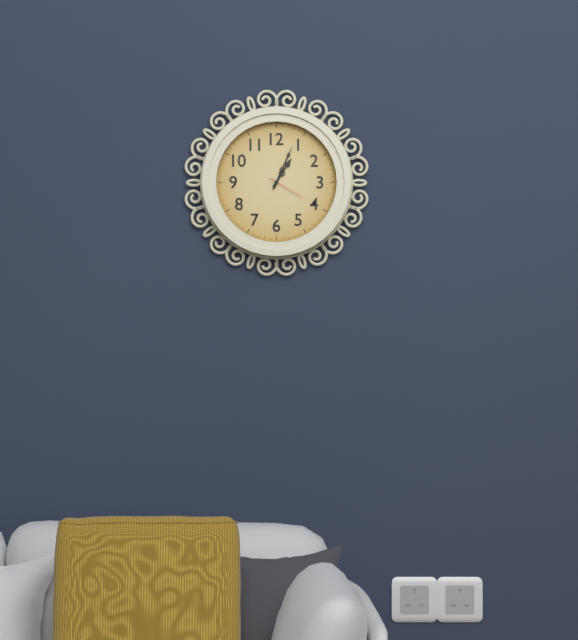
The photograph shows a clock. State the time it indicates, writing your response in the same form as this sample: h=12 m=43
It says h=1 m=4
